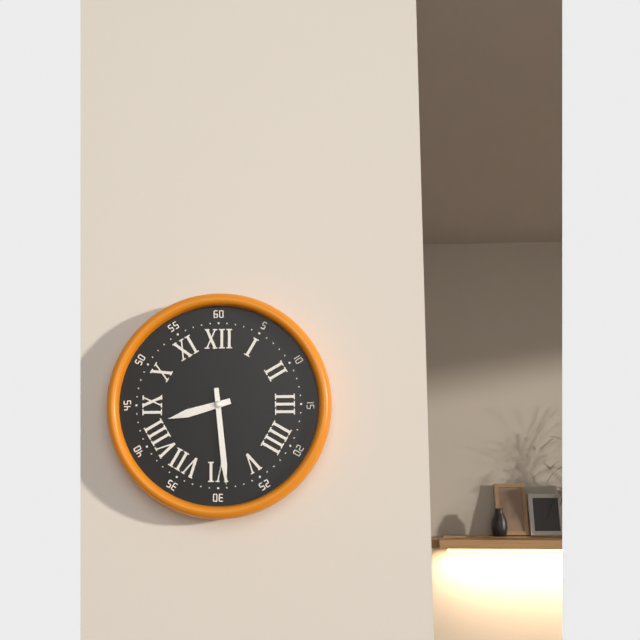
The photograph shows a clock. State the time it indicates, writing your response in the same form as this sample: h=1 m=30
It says h=8 m=29
